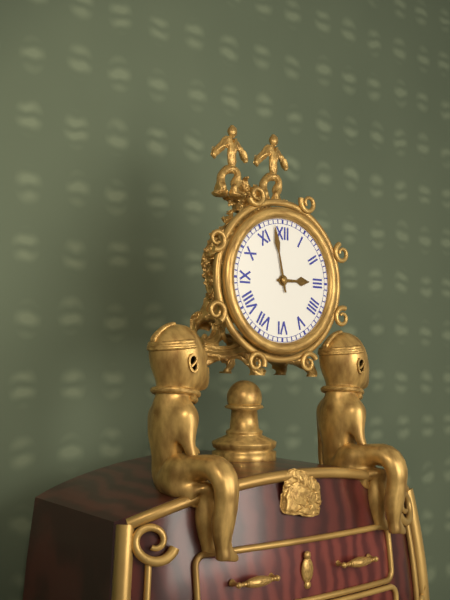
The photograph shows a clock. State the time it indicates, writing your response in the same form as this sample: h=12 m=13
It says h=2 m=58
